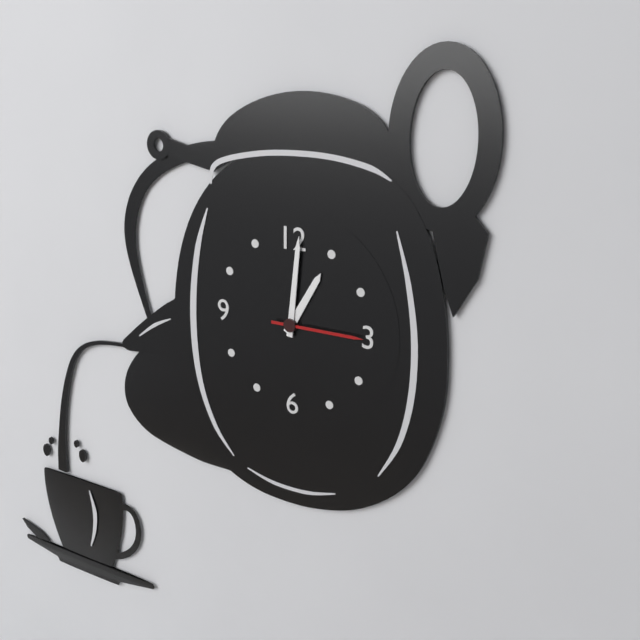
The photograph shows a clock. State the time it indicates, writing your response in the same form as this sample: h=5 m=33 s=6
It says h=1 m=1 s=15
